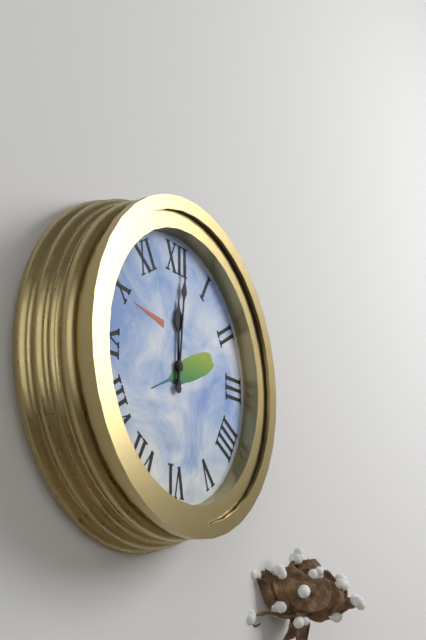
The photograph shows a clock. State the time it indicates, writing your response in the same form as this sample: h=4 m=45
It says h=12 m=1
